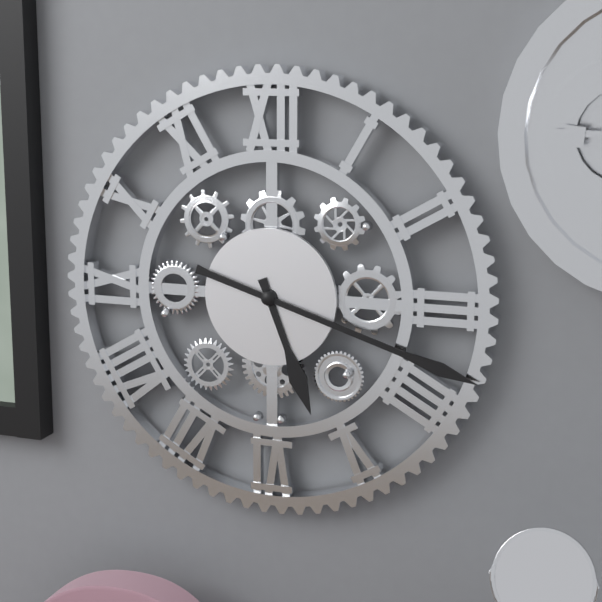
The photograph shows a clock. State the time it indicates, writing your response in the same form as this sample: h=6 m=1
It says h=5 m=18
